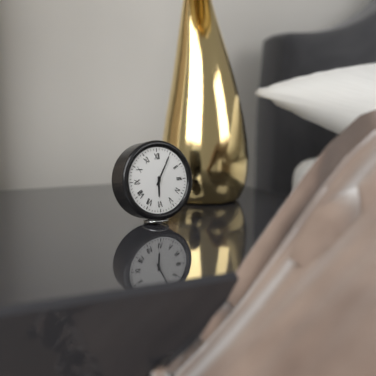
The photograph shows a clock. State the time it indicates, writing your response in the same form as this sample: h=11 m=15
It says h=6 m=5
